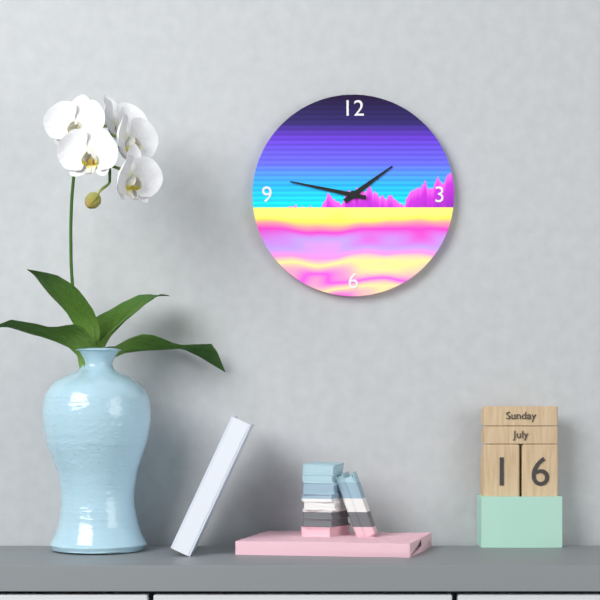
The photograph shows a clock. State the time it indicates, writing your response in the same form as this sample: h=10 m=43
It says h=1 m=47
